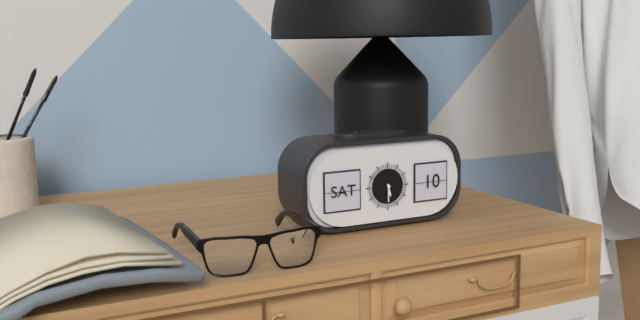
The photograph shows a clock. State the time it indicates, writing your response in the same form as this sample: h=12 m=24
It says h=5 m=30
